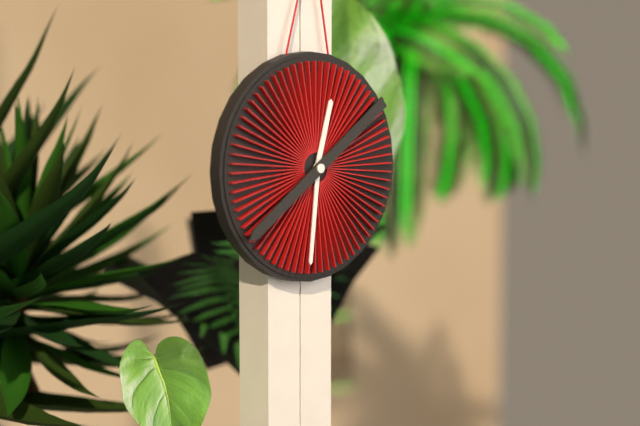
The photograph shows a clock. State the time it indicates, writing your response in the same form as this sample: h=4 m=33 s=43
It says h=12 m=31 s=39
